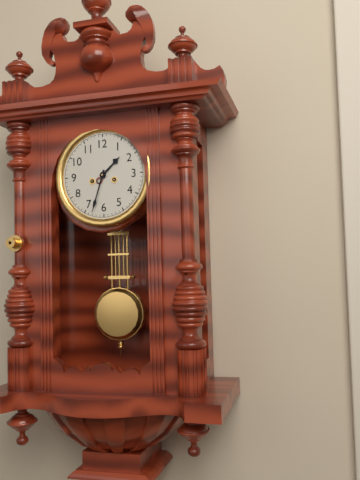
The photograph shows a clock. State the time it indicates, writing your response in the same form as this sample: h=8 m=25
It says h=1 m=33
